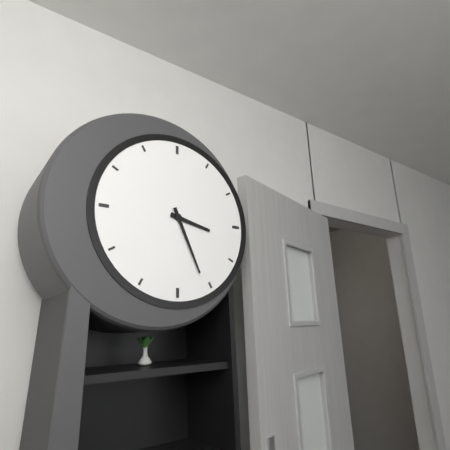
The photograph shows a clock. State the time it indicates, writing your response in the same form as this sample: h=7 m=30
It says h=3 m=26
